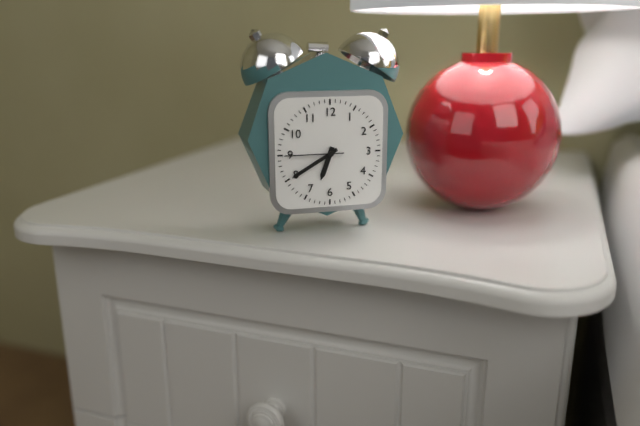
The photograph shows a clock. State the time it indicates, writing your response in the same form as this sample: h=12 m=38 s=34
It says h=6 m=40 s=45
